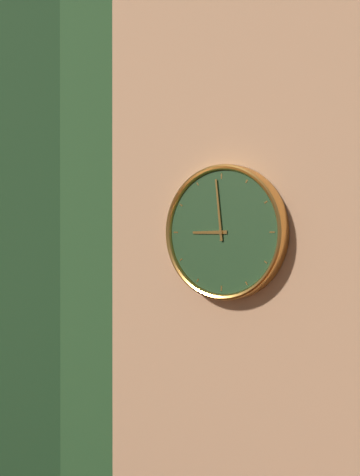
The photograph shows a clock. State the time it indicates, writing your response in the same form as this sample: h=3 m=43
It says h=8 m=59
